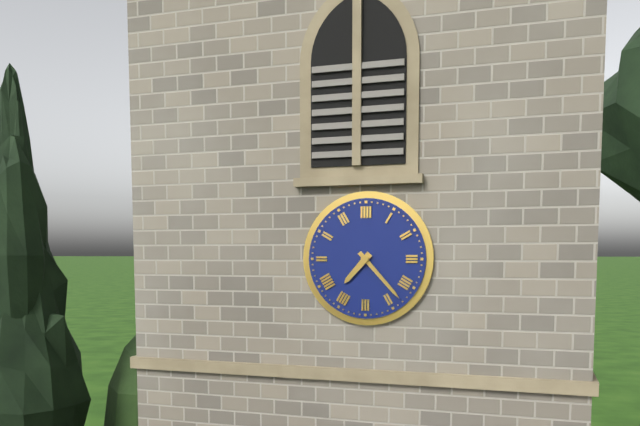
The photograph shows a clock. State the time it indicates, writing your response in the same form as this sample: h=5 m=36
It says h=7 m=23
